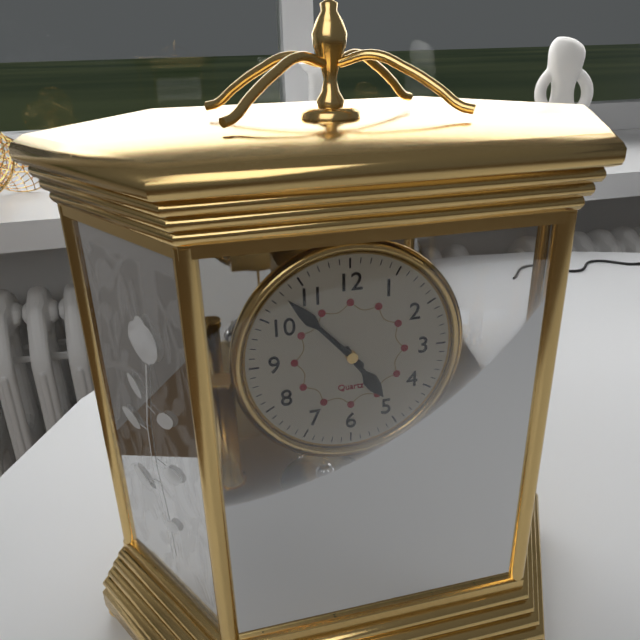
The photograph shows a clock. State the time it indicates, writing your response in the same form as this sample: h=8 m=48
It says h=4 m=53
